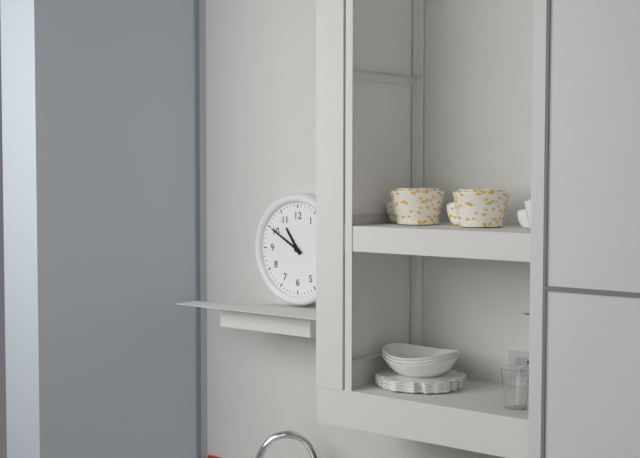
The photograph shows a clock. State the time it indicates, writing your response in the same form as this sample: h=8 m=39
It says h=10 m=50
